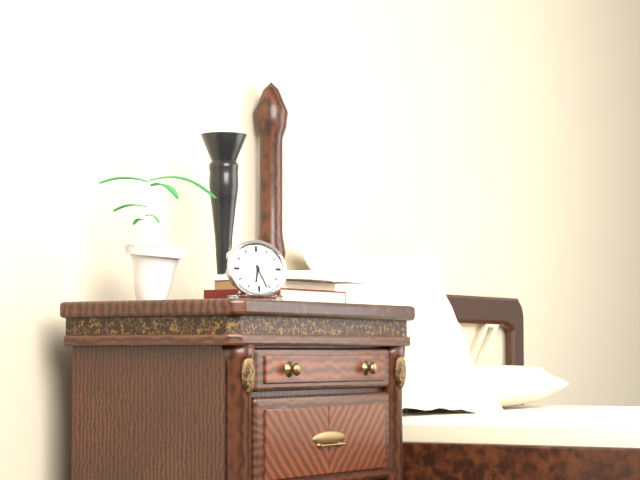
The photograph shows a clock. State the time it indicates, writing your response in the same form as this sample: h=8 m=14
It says h=6 m=26
